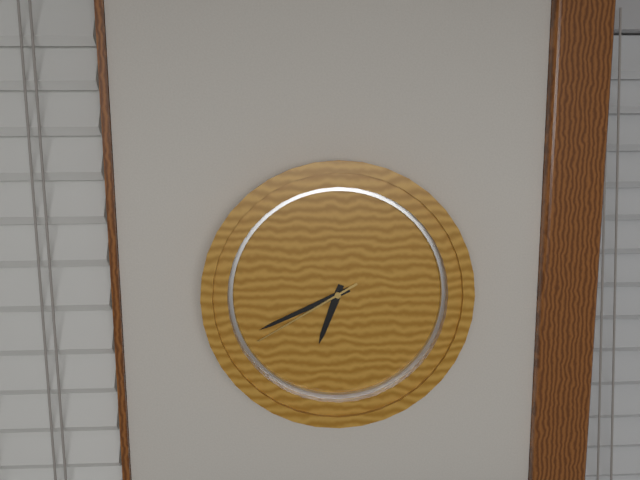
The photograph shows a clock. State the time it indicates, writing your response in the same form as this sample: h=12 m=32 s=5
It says h=6 m=41 s=40
